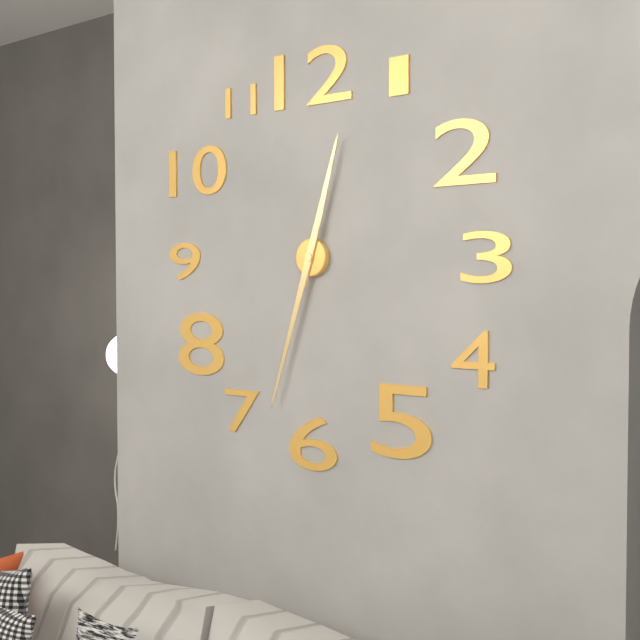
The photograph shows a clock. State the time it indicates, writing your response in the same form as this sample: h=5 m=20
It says h=12 m=33
